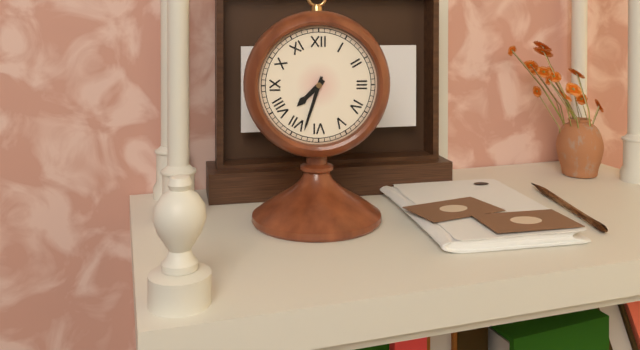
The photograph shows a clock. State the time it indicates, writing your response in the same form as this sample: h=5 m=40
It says h=7 m=33
